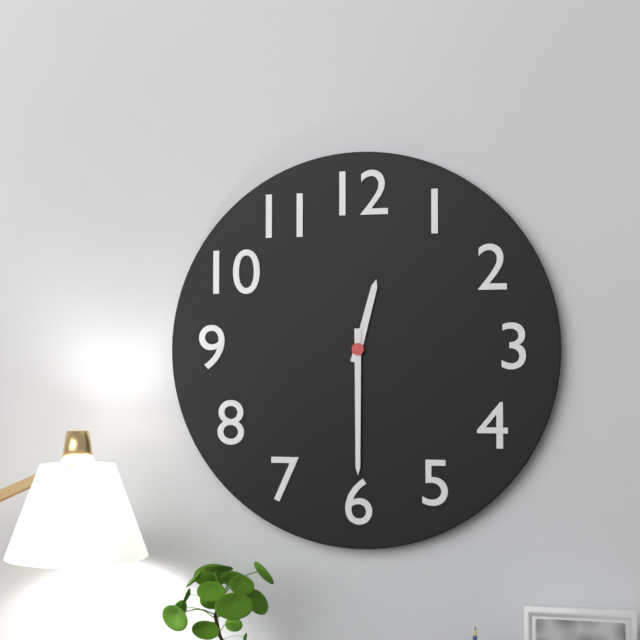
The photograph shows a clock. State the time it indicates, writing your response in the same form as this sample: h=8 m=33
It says h=12 m=30
